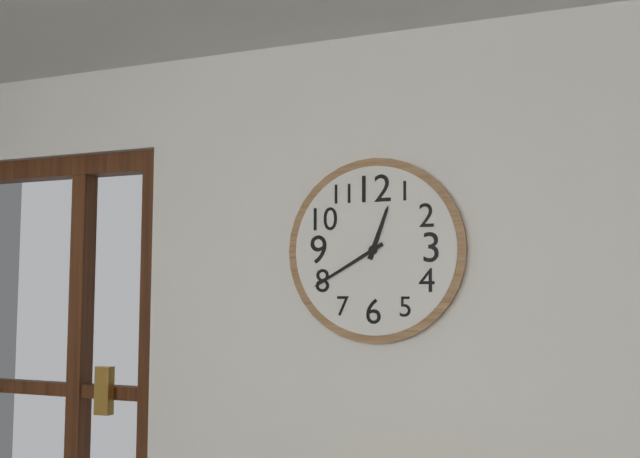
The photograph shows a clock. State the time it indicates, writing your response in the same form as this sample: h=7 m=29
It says h=12 m=40
